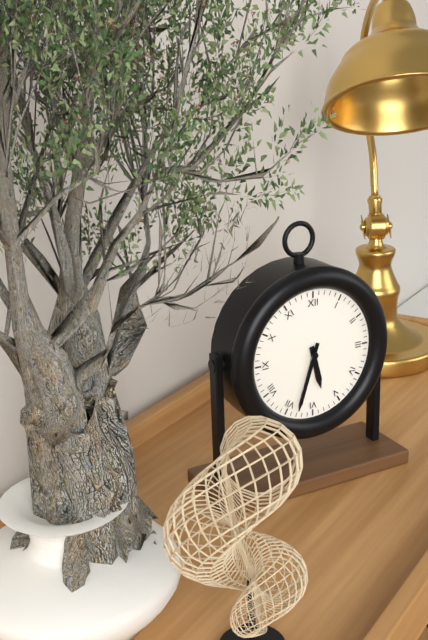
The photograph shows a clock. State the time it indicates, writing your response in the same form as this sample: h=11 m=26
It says h=5 m=33
